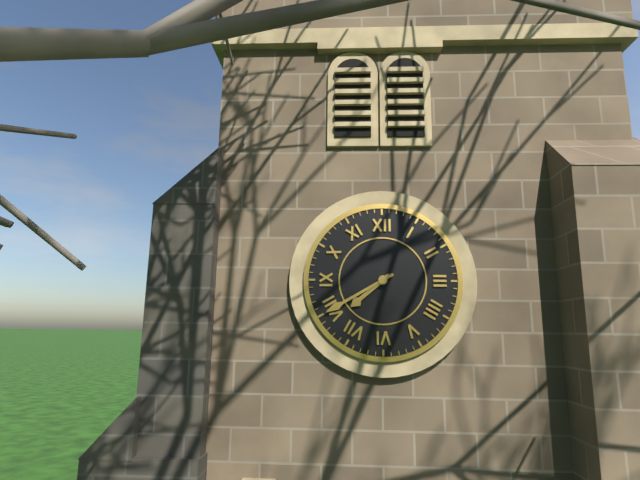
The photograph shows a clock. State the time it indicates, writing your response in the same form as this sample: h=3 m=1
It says h=7 m=40
